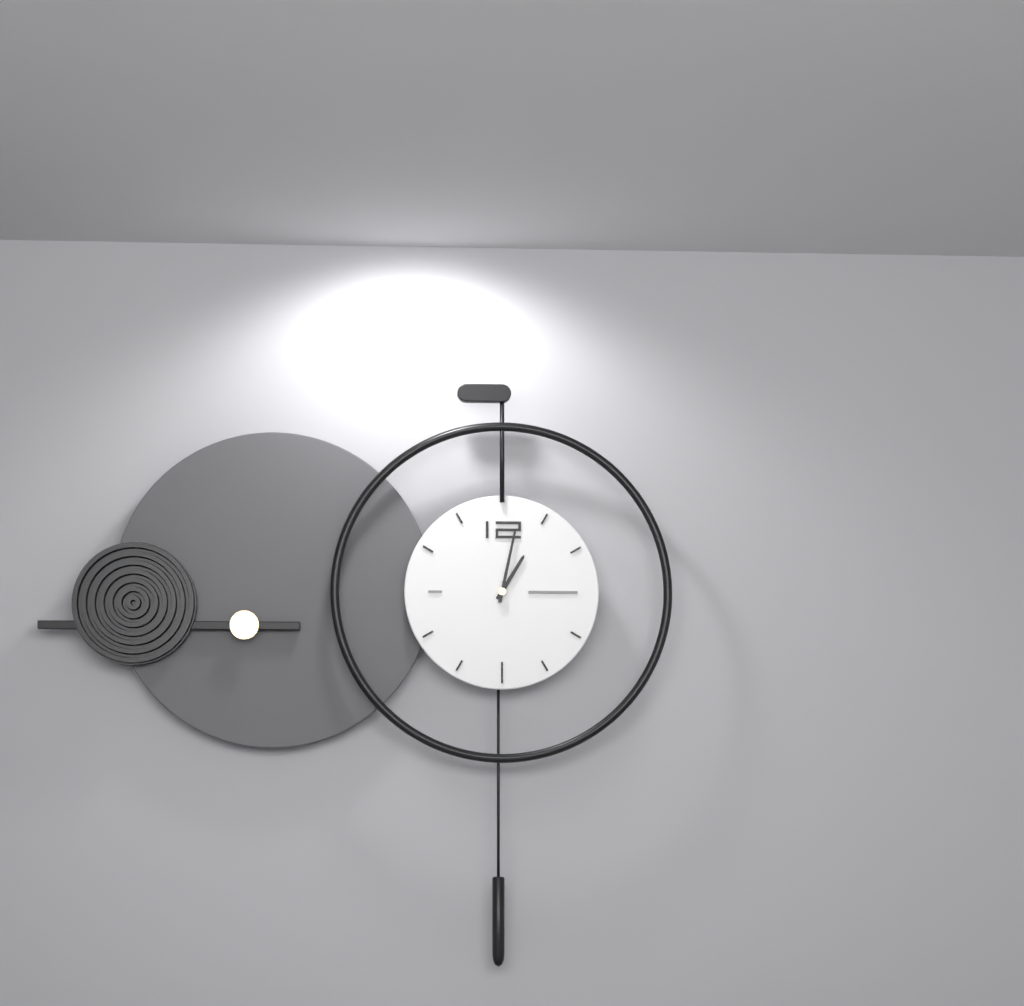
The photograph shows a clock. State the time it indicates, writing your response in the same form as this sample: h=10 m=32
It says h=1 m=2
